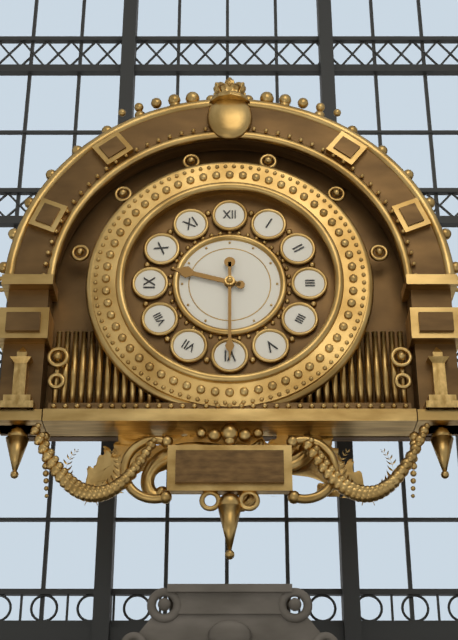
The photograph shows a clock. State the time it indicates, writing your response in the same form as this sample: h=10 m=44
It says h=9 m=30
